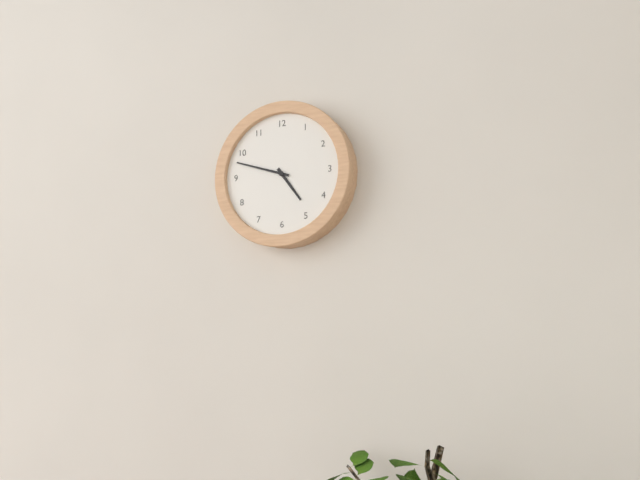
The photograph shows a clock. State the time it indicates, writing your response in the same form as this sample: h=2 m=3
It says h=4 m=48
